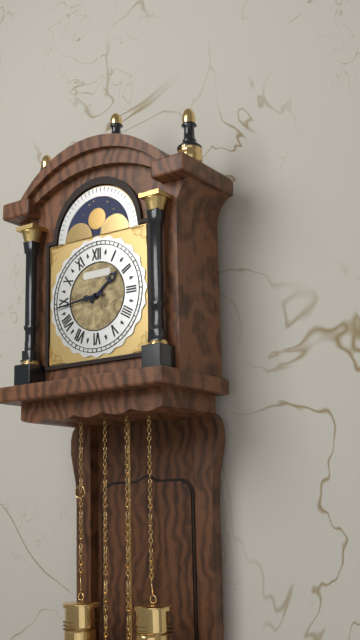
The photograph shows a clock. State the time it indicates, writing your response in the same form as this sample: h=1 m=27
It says h=1 m=44
